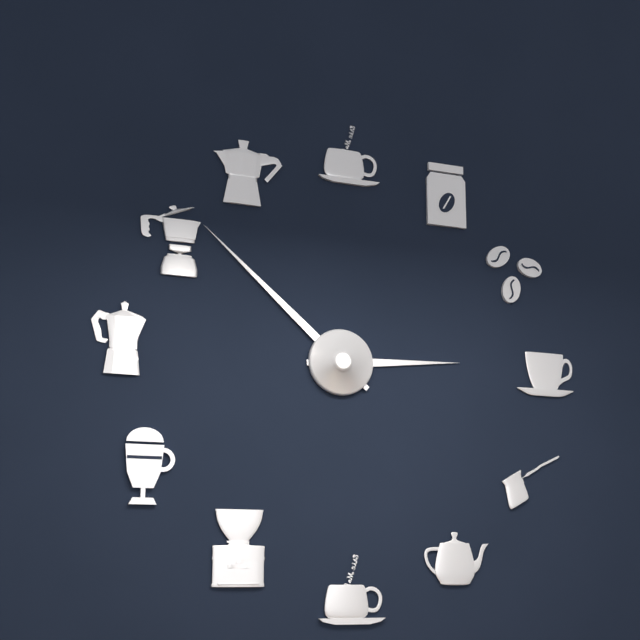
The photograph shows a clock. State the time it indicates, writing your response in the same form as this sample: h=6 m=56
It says h=2 m=52
